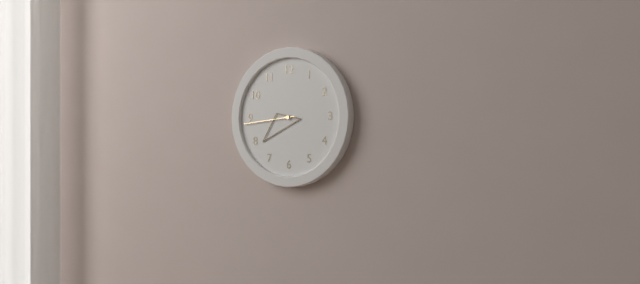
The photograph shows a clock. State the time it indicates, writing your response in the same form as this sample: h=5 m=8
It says h=7 m=44
